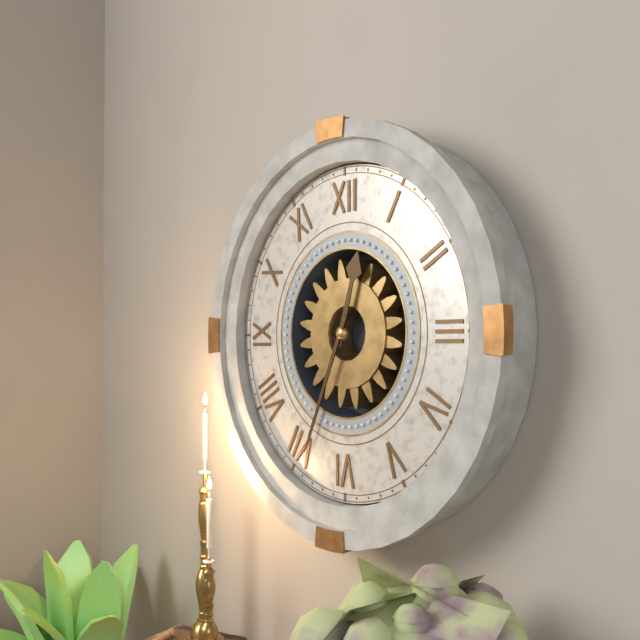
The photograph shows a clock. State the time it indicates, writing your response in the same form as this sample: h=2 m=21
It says h=12 m=34
